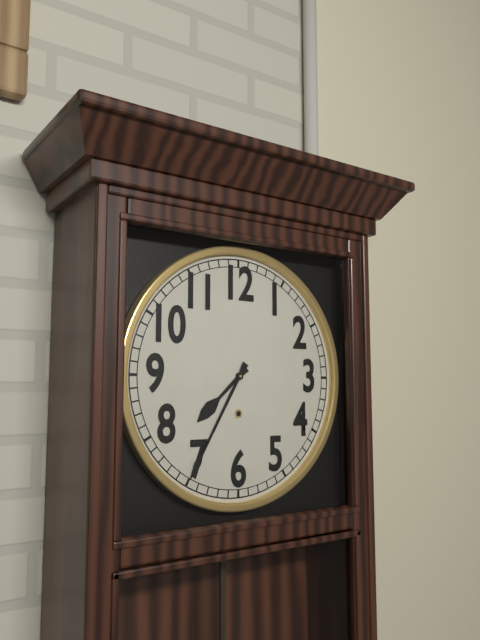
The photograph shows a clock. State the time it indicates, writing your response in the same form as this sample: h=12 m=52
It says h=7 m=35
